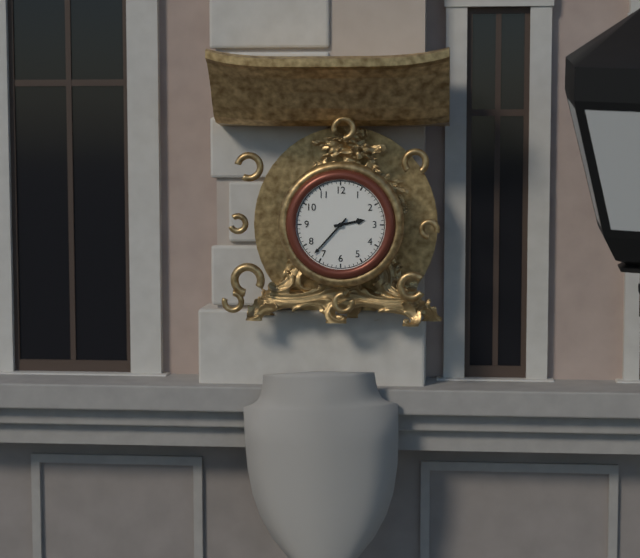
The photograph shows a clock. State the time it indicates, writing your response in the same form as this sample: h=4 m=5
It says h=2 m=37
